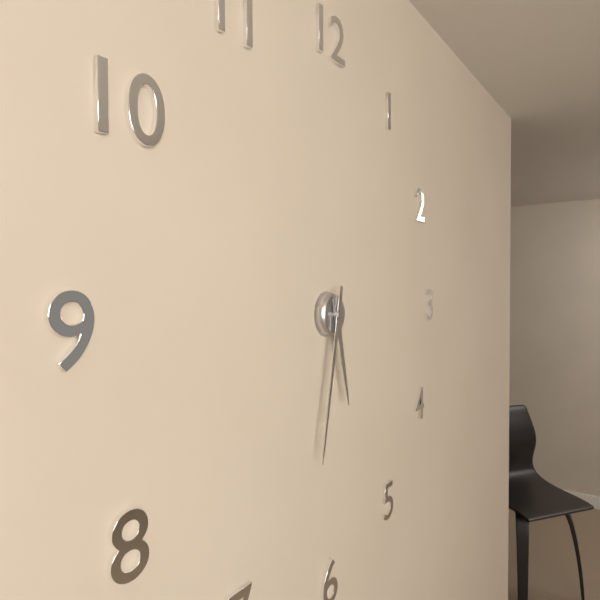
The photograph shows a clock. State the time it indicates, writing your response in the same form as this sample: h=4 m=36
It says h=5 m=32
